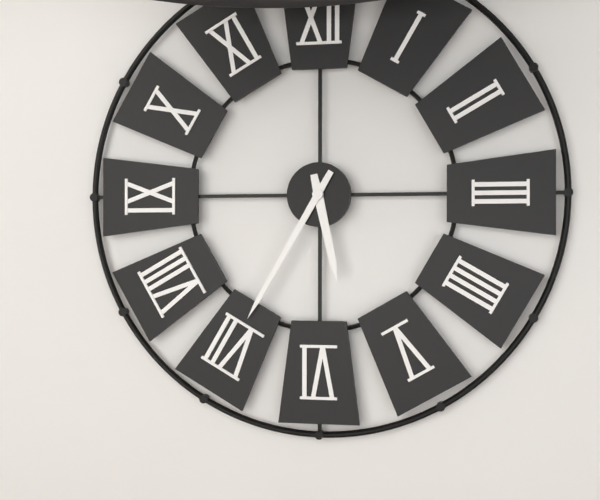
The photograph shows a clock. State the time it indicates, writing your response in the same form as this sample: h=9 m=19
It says h=5 m=35
